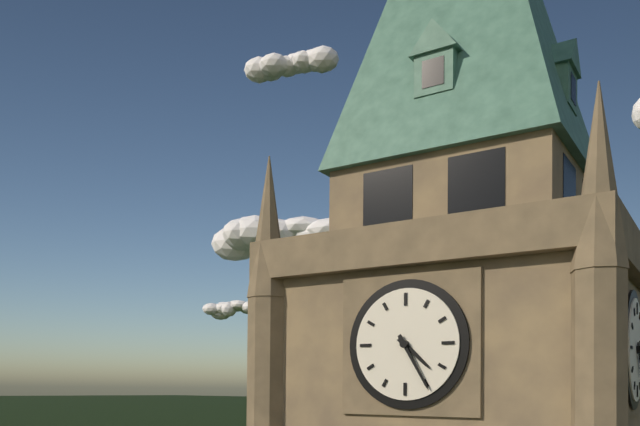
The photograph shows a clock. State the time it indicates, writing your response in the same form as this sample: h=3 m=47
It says h=4 m=25
